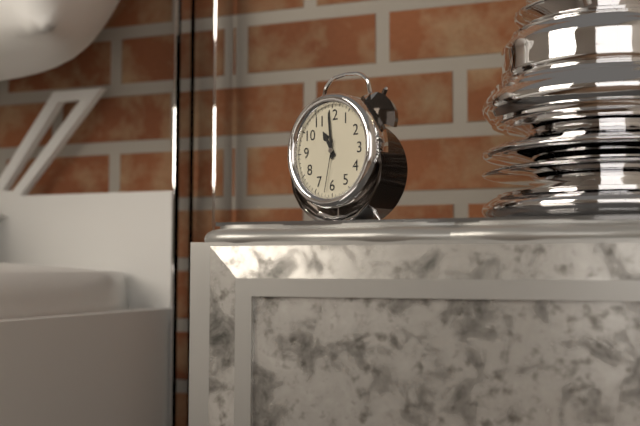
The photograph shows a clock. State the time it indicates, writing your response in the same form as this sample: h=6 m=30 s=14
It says h=10 m=59 s=32
